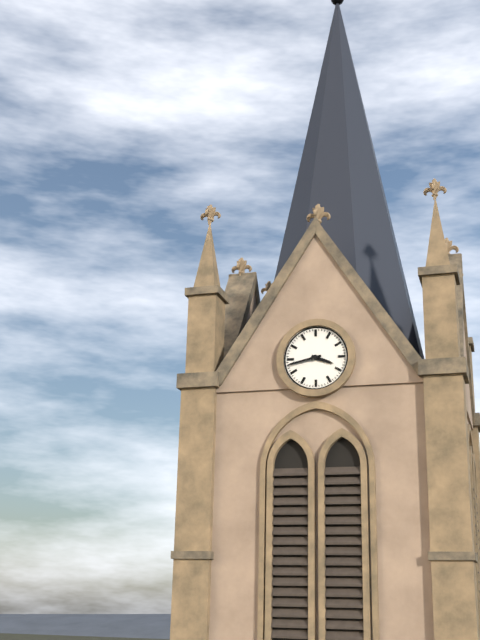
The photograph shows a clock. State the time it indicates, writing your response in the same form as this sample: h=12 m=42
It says h=3 m=43
